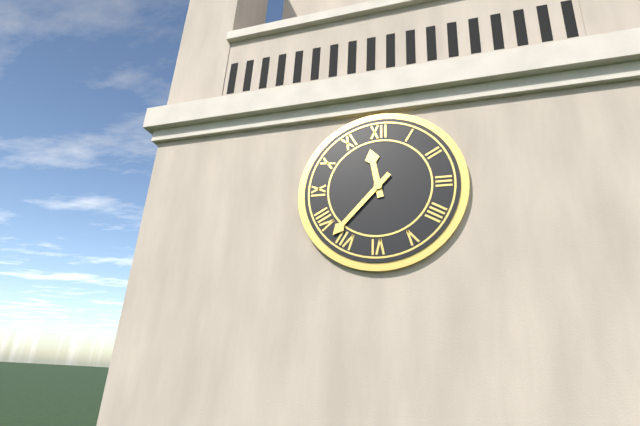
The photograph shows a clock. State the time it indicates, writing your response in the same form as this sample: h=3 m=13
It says h=11 m=37
